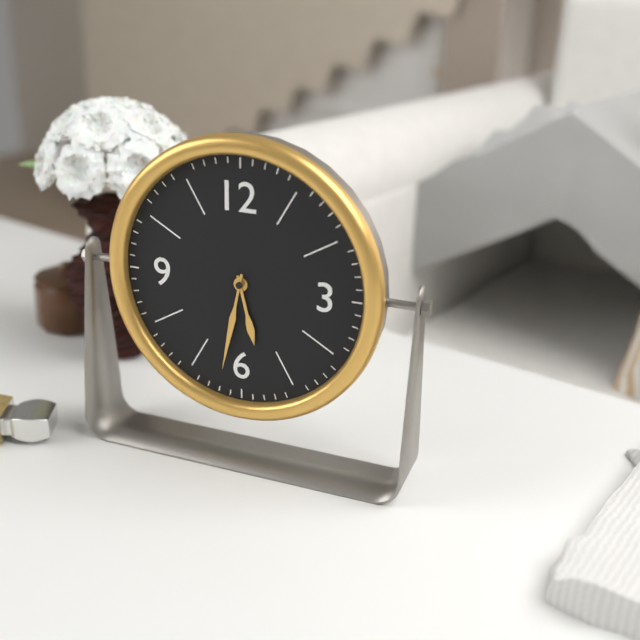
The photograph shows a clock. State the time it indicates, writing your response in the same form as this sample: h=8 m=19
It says h=5 m=32
